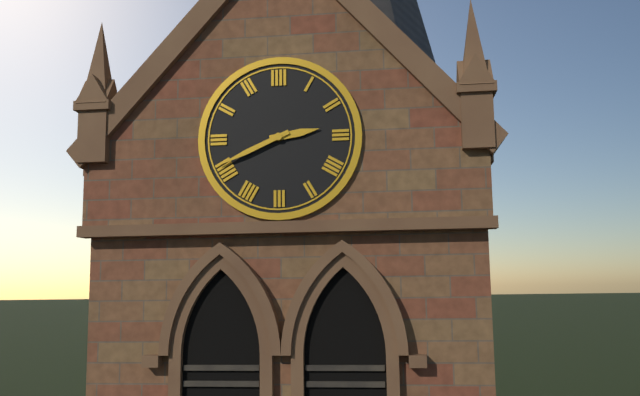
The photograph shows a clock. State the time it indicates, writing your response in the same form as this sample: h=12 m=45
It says h=2 m=41
